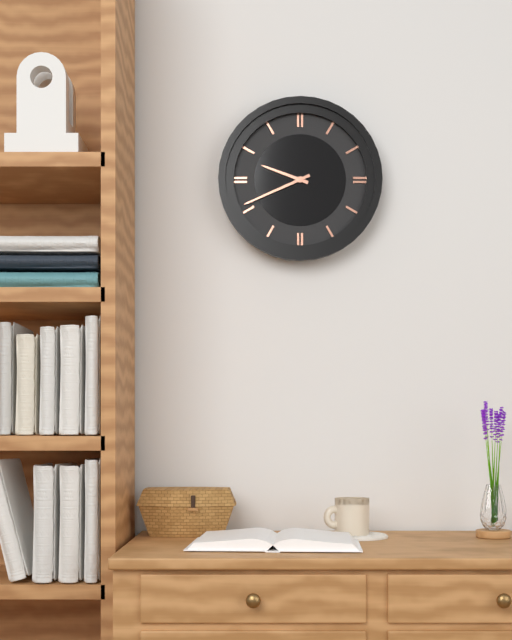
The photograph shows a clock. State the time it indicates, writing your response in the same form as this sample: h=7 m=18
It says h=9 m=41
